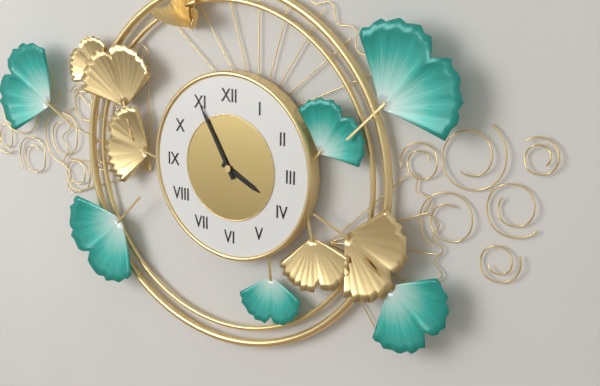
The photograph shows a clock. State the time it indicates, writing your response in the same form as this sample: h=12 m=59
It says h=3 m=55
